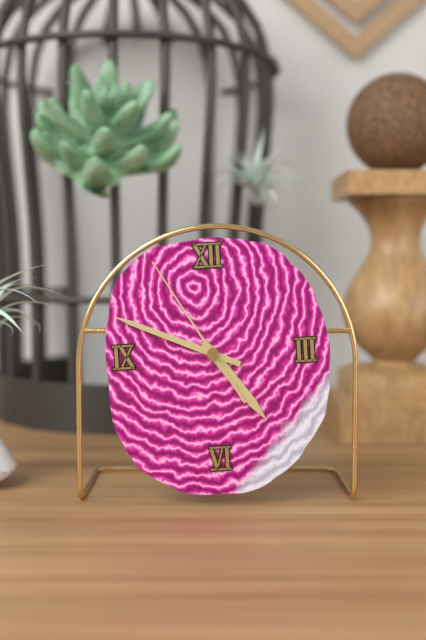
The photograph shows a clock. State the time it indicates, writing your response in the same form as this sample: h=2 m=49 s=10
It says h=4 m=49 s=55
